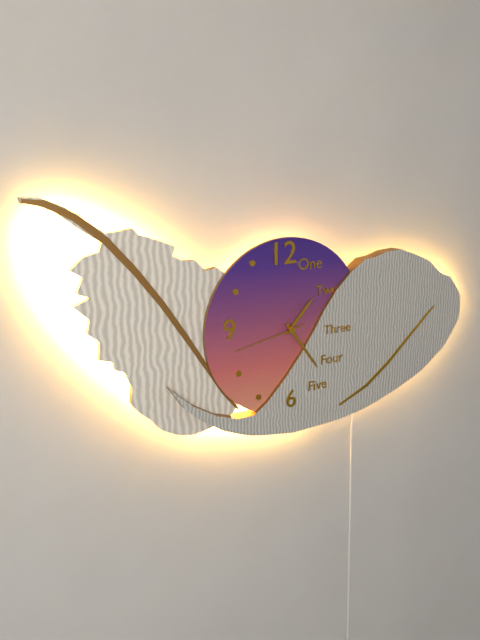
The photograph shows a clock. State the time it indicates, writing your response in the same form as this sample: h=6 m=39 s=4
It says h=1 m=24 s=43
